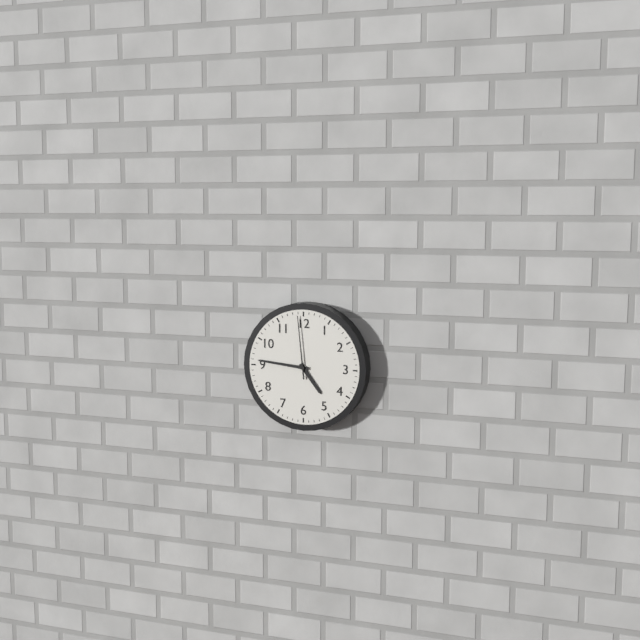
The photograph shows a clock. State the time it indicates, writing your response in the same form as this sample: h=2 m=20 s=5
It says h=4 m=46 s=59
